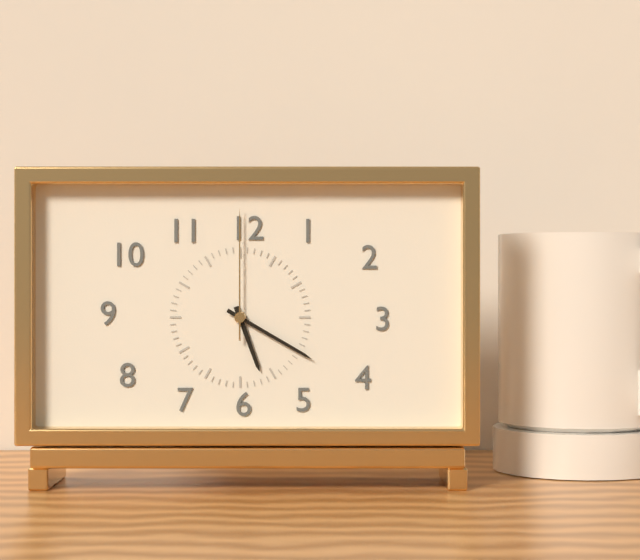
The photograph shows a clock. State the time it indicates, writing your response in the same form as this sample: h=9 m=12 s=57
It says h=5 m=20 s=0
